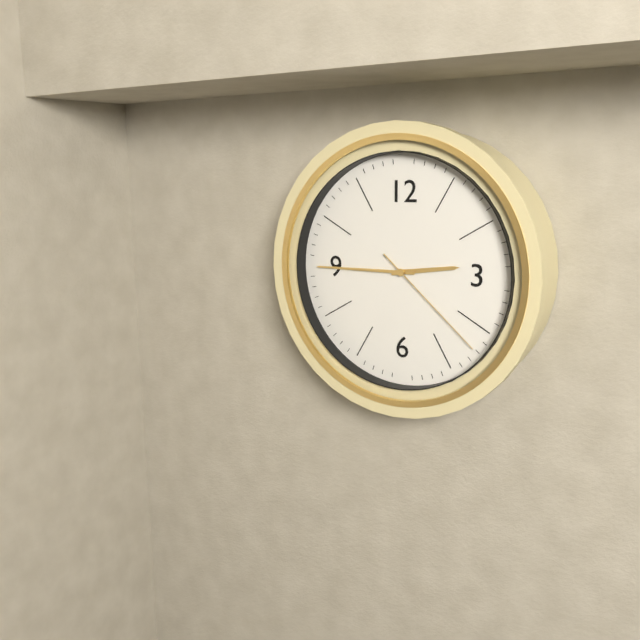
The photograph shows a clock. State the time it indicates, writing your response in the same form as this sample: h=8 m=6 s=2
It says h=2 m=45 s=22
